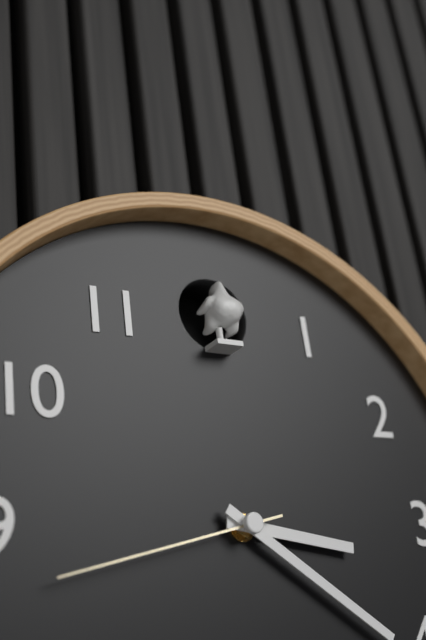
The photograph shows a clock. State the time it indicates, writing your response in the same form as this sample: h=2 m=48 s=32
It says h=3 m=21 s=43
